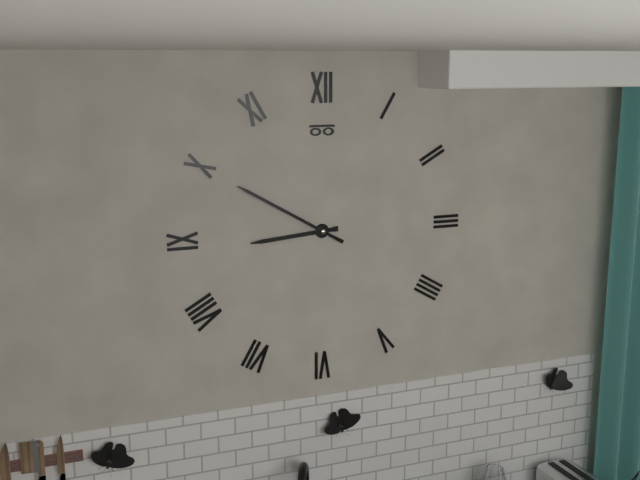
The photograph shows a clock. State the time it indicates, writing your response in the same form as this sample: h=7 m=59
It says h=8 m=50
